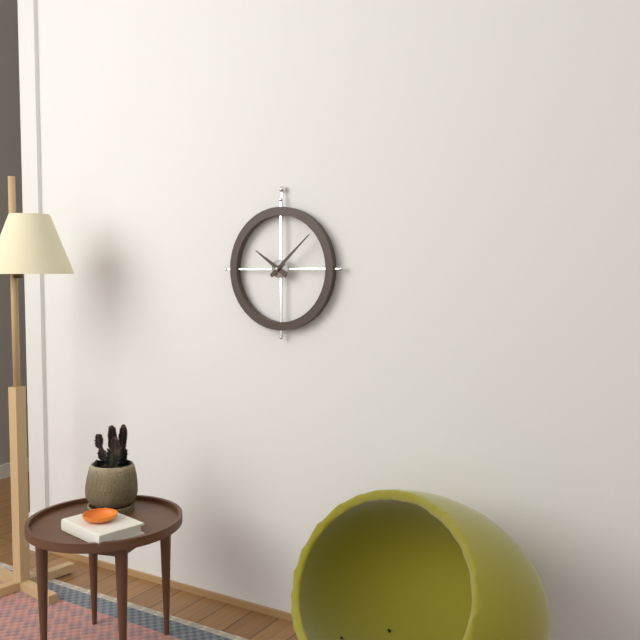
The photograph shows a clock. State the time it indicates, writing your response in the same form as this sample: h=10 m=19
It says h=10 m=8
